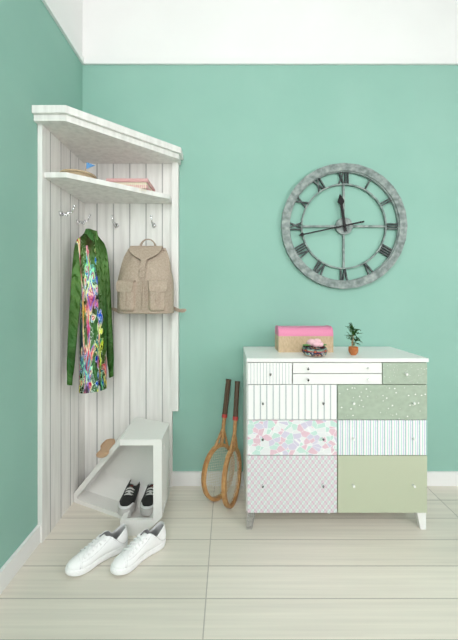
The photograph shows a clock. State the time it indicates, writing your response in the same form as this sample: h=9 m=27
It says h=11 m=43
